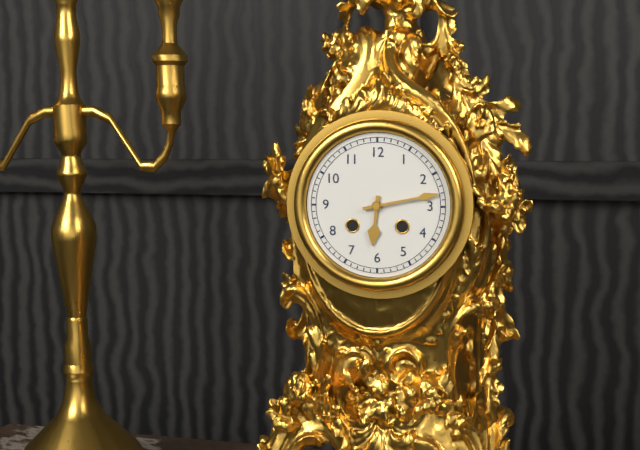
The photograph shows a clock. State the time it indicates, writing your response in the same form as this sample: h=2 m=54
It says h=6 m=13
